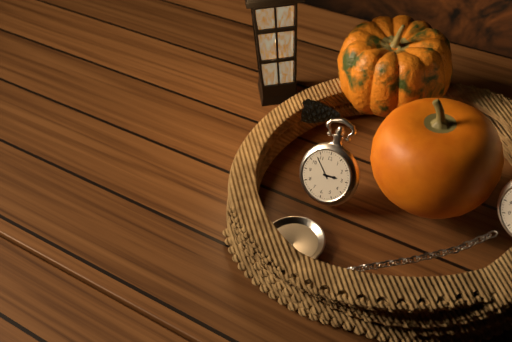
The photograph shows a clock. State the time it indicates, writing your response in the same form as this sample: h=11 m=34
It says h=2 m=53
